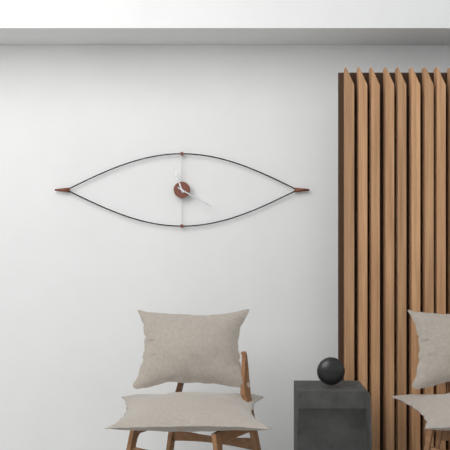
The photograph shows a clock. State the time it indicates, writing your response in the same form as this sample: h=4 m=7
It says h=11 m=20
